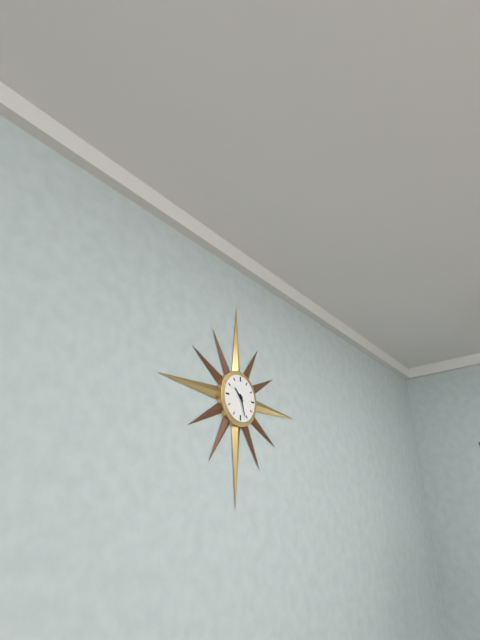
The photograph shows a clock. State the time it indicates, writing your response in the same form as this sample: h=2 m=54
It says h=10 m=27
